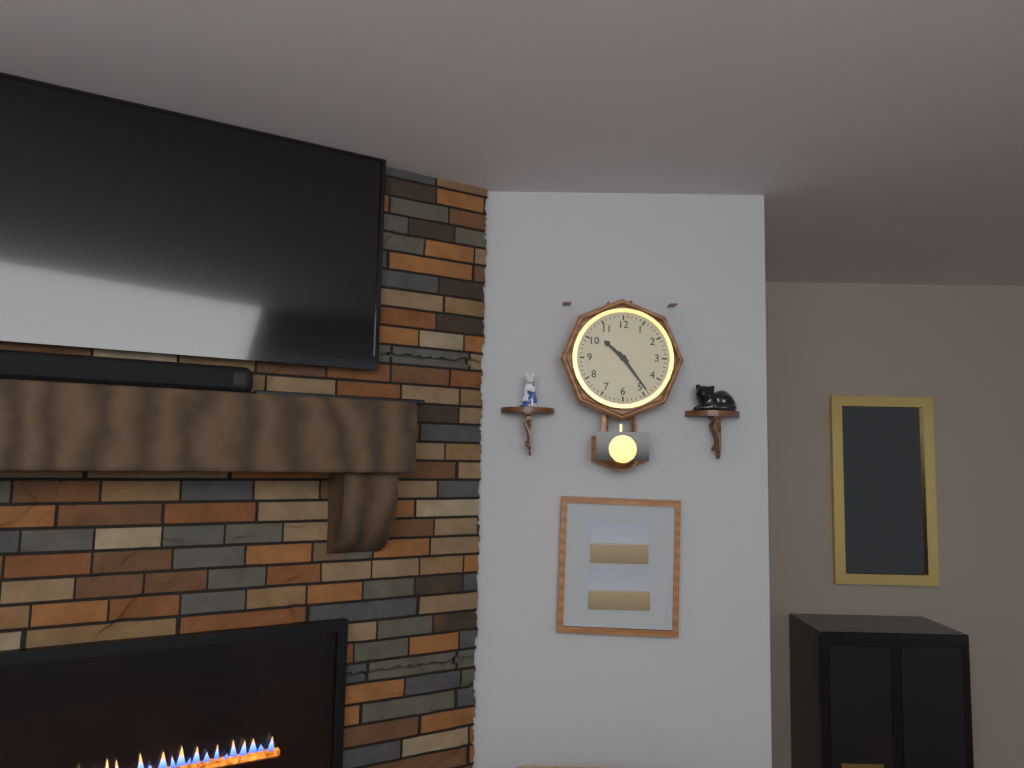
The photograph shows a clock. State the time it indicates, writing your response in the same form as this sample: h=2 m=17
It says h=10 m=24
